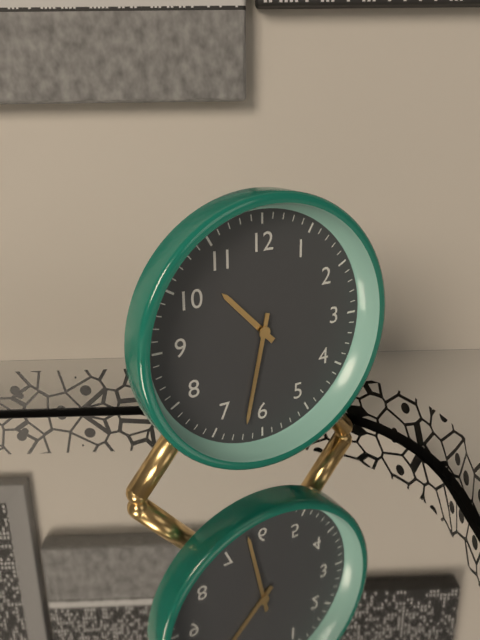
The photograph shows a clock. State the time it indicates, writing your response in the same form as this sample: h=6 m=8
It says h=10 m=32
